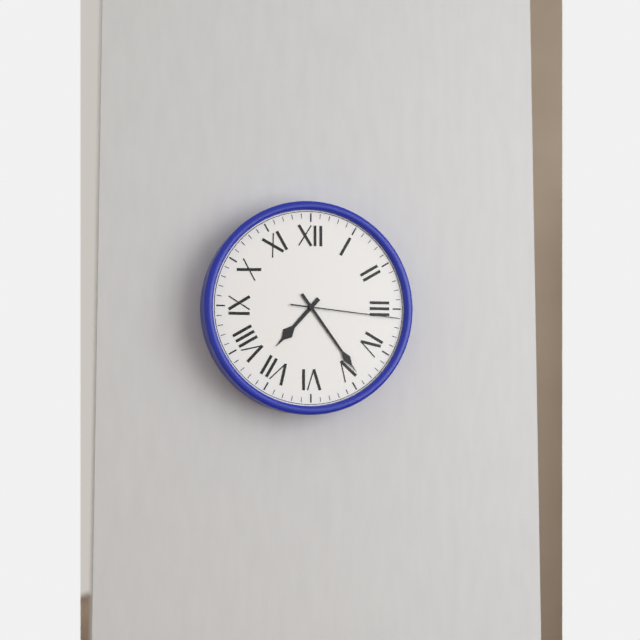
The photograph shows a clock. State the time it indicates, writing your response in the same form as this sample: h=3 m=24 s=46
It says h=7 m=24 s=16
